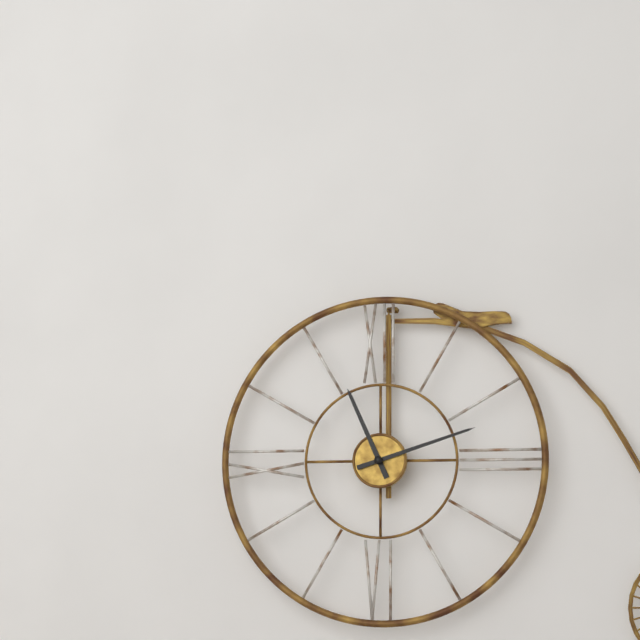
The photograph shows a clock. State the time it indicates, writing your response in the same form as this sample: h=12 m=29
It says h=11 m=12
